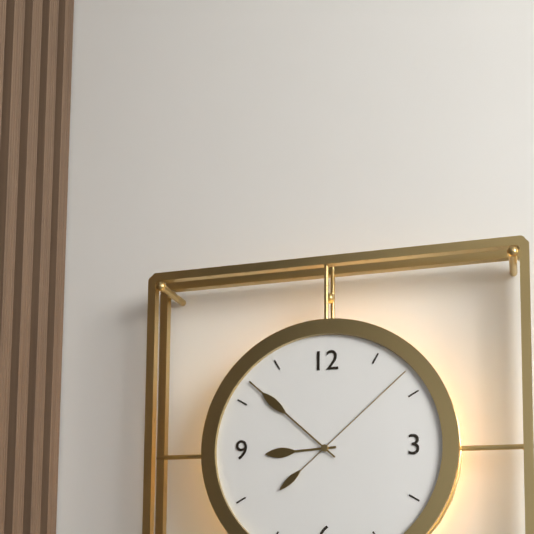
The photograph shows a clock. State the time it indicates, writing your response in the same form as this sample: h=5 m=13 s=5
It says h=8 m=52 s=8
